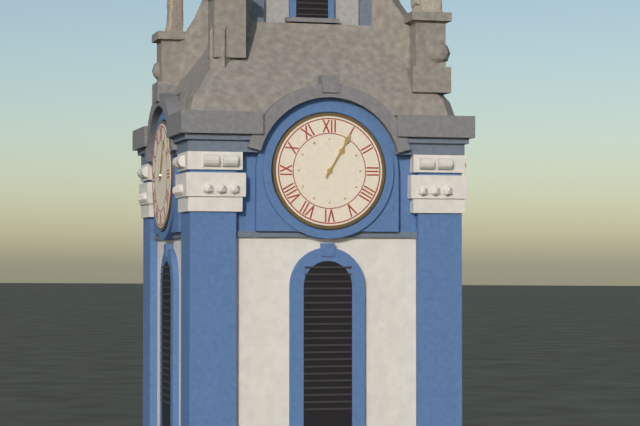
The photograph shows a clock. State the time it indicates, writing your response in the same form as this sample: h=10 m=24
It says h=1 m=5
